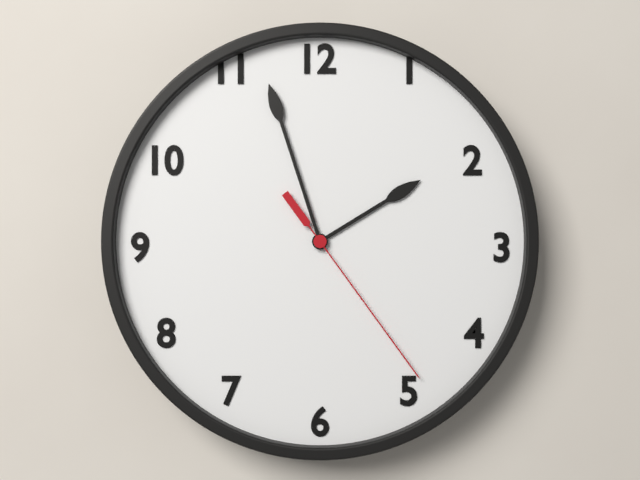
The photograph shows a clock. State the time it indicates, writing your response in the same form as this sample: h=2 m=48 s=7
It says h=1 m=57 s=24
